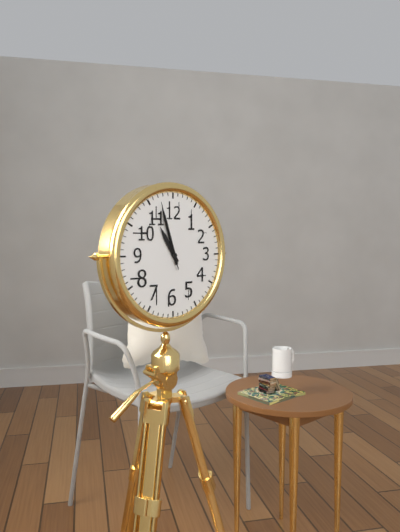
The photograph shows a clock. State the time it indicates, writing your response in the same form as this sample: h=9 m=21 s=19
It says h=10 m=57 s=57
